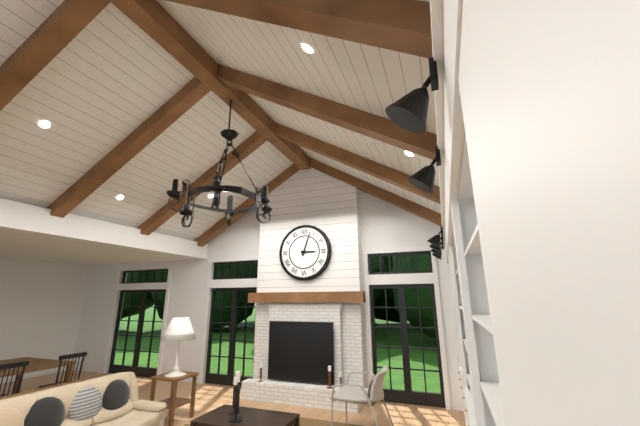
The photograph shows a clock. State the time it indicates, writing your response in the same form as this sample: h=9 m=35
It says h=3 m=3
